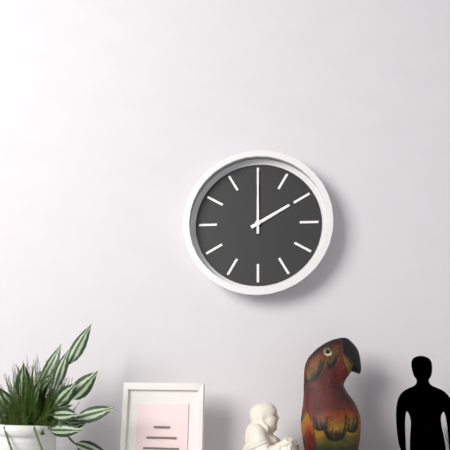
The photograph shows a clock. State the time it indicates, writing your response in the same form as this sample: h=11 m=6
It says h=2 m=0
